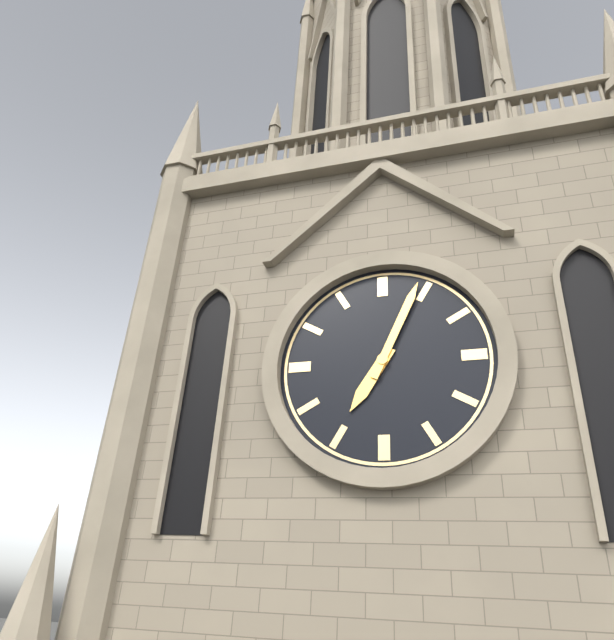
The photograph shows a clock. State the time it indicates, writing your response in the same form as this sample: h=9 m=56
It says h=7 m=4
